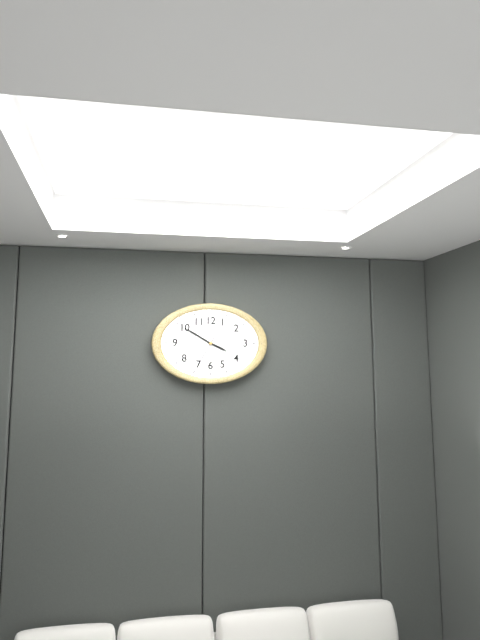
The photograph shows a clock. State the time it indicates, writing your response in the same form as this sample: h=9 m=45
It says h=3 m=50
